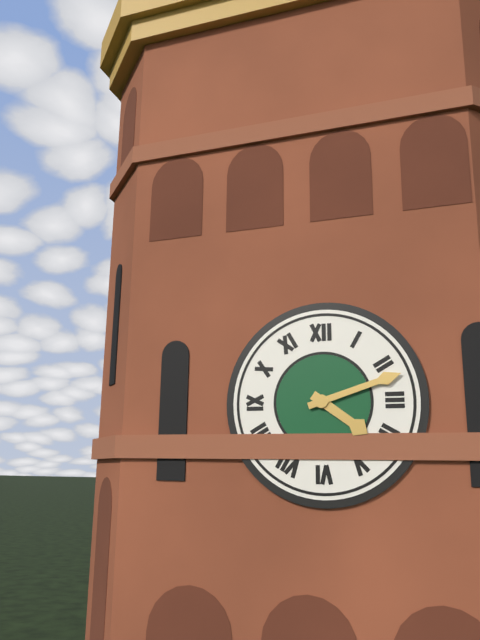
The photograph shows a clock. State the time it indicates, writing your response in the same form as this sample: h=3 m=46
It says h=4 m=12
